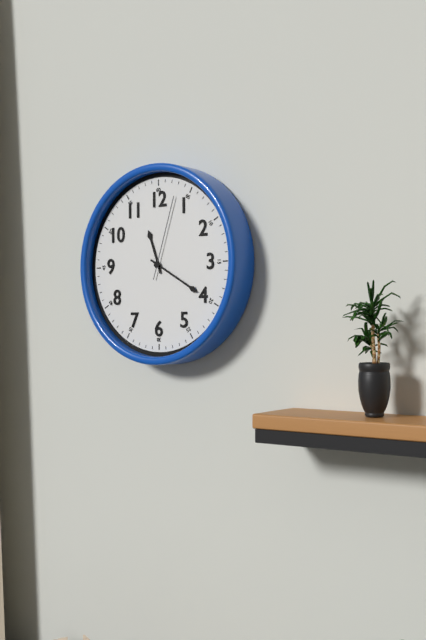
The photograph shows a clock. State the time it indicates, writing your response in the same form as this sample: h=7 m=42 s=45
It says h=11 m=20 s=3
